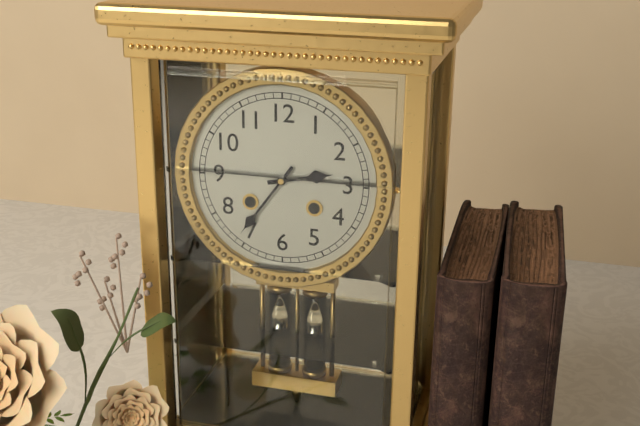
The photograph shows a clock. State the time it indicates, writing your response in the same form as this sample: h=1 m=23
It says h=2 m=36
